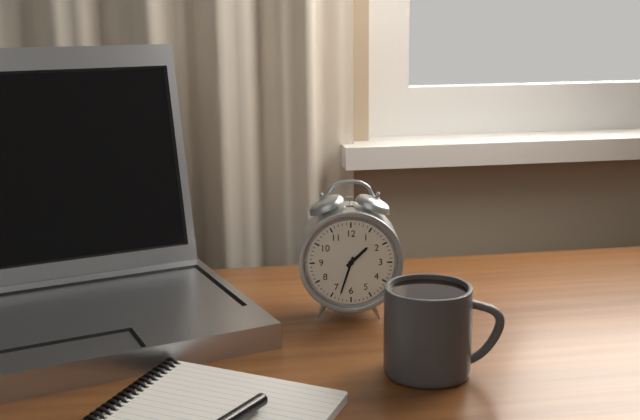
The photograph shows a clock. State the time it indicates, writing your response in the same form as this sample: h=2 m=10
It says h=1 m=33
